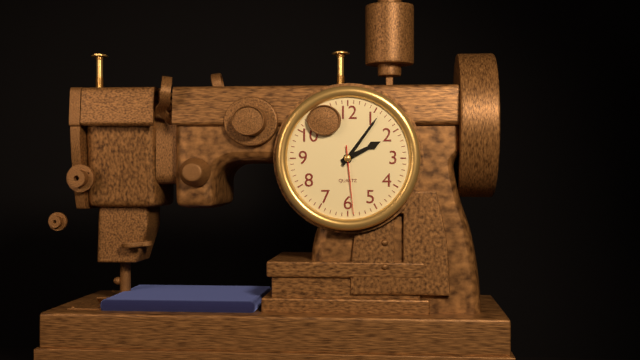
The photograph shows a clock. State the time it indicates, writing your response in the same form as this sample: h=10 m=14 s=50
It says h=2 m=6 s=29
